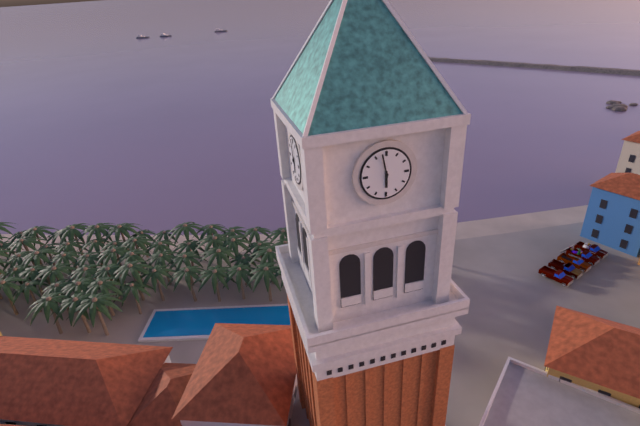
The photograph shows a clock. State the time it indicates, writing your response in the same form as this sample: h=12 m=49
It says h=5 m=58
